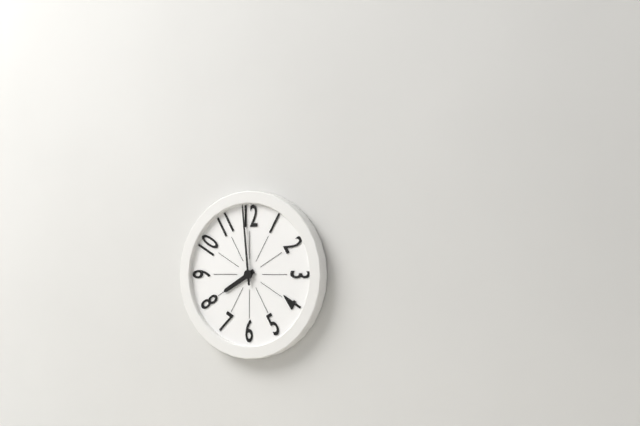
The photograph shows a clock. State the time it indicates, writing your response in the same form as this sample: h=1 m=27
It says h=7 m=59
